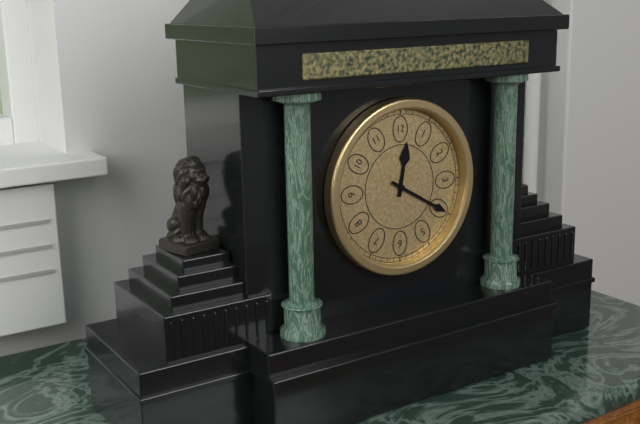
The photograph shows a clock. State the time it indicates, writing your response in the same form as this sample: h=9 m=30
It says h=12 m=20
